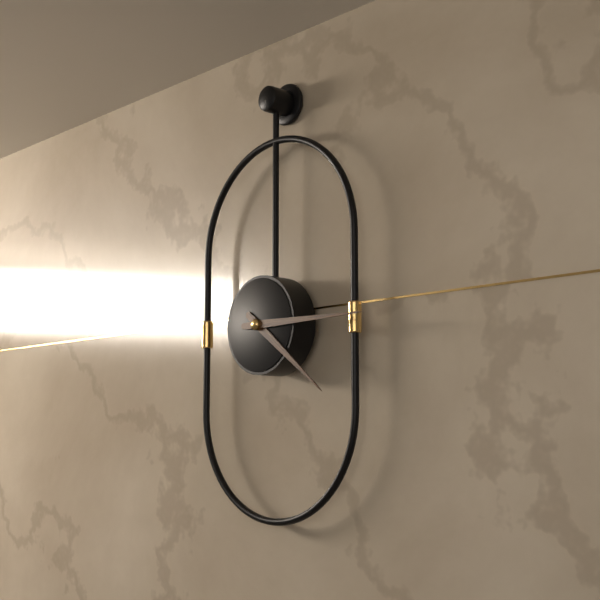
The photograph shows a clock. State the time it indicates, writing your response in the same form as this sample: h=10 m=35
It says h=4 m=15
